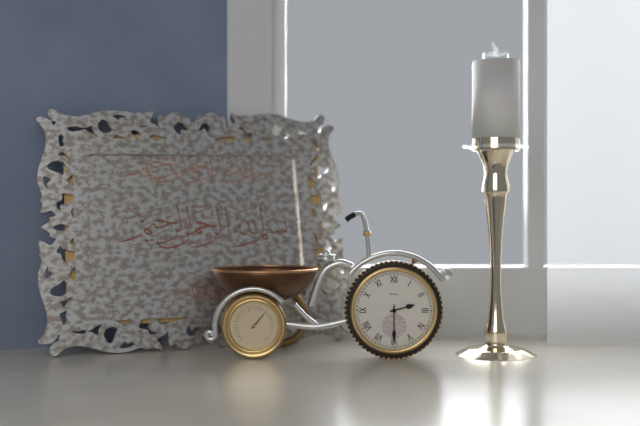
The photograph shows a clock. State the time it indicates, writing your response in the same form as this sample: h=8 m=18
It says h=2 m=30
